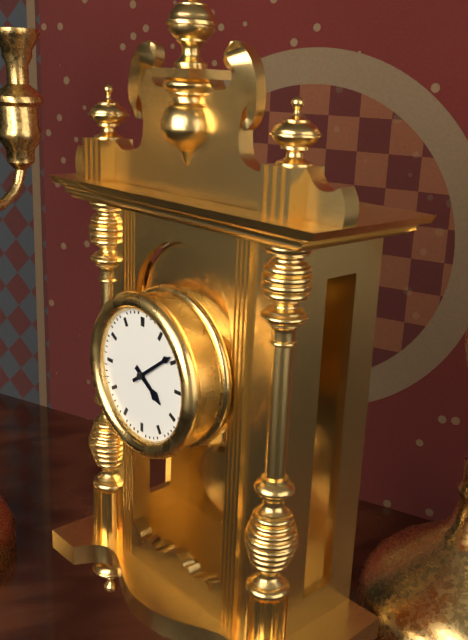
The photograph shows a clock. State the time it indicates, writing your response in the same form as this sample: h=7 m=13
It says h=4 m=9
